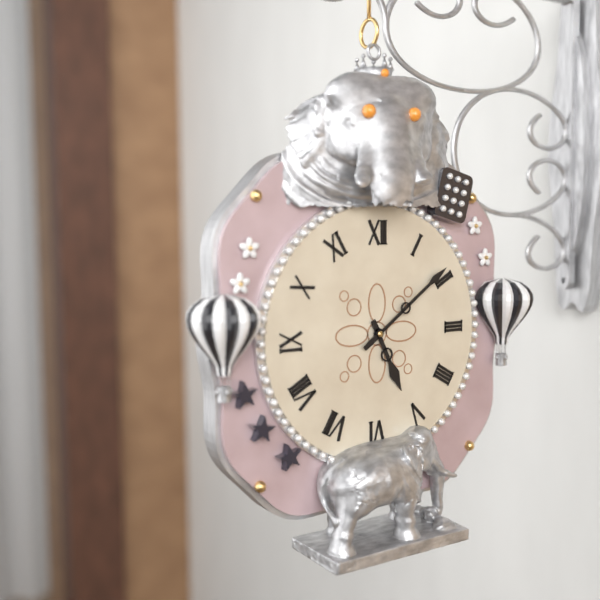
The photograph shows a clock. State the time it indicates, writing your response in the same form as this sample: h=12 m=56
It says h=5 m=9
